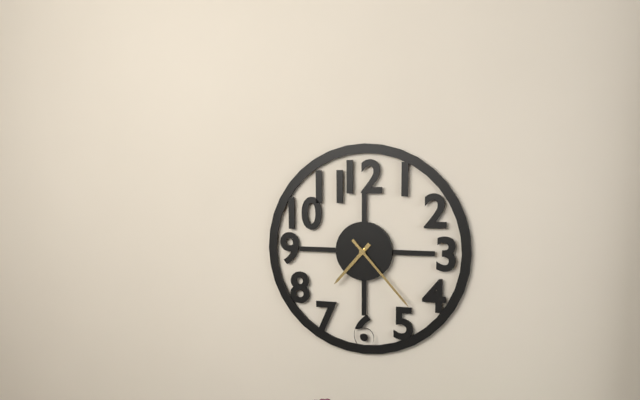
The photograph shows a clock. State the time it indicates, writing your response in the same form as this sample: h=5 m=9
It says h=7 m=23
